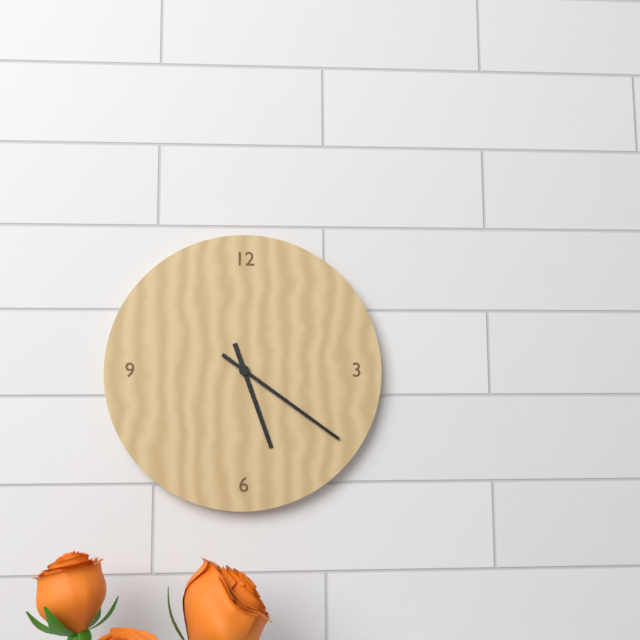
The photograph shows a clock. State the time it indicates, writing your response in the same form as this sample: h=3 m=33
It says h=5 m=21
